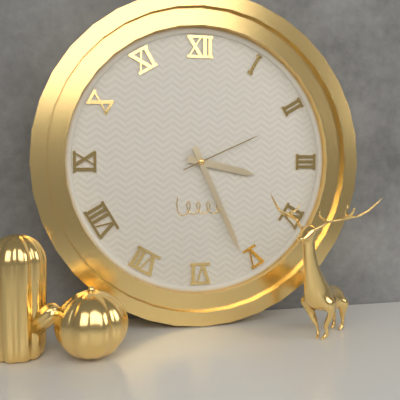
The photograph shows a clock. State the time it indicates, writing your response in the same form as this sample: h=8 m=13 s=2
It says h=3 m=26 s=11
